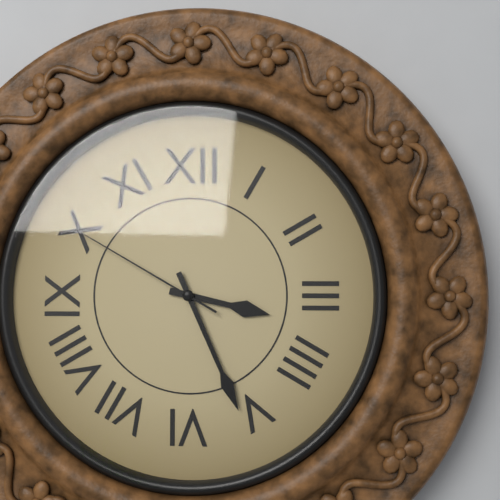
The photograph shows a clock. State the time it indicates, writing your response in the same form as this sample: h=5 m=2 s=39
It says h=3 m=26 s=50
